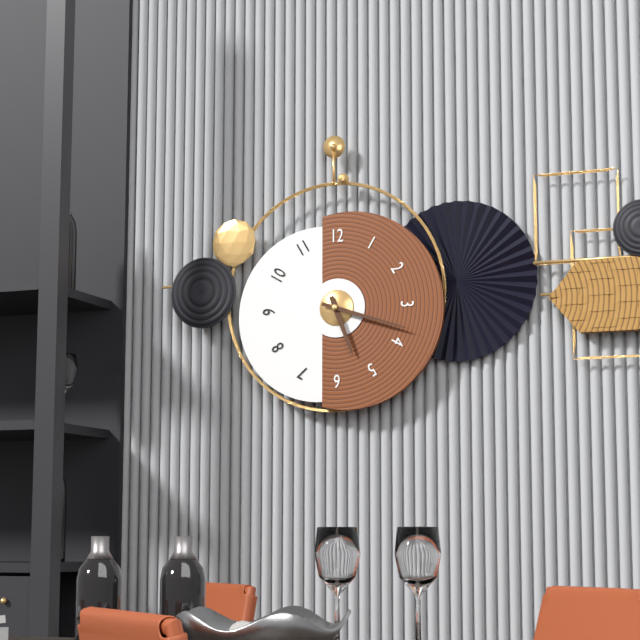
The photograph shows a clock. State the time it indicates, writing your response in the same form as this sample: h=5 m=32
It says h=5 m=18
